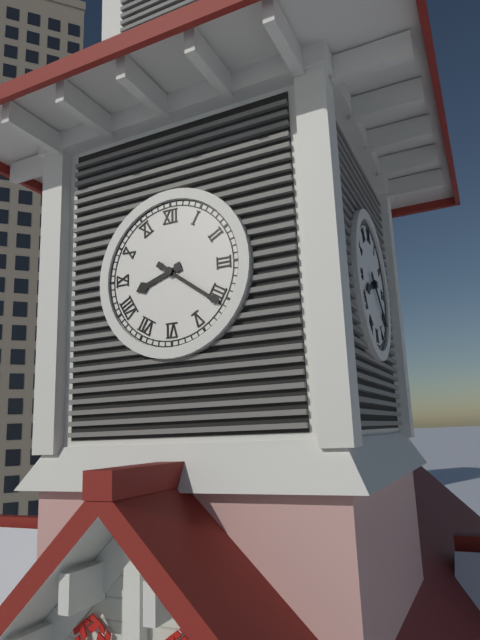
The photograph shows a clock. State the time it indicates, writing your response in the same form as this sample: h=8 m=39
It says h=8 m=21
